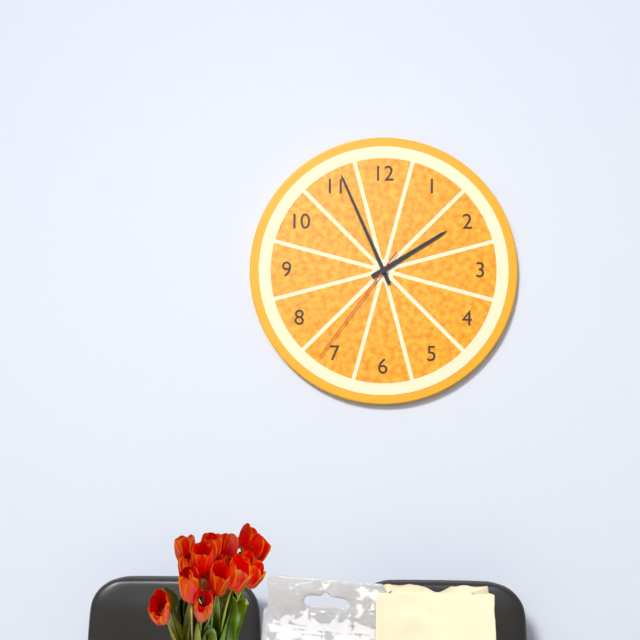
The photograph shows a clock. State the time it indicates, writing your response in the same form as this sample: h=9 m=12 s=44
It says h=1 m=56 s=36
